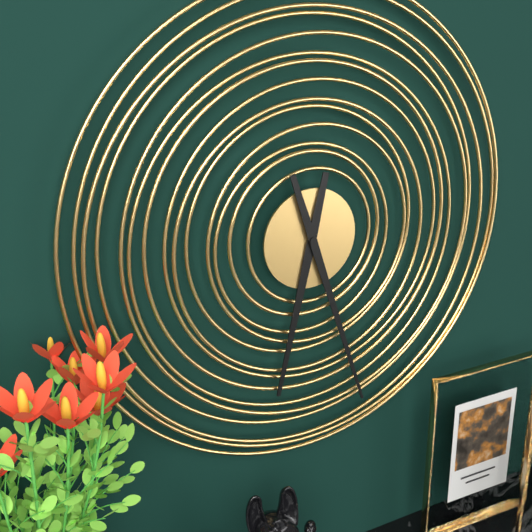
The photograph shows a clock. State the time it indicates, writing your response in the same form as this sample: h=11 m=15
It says h=6 m=27
